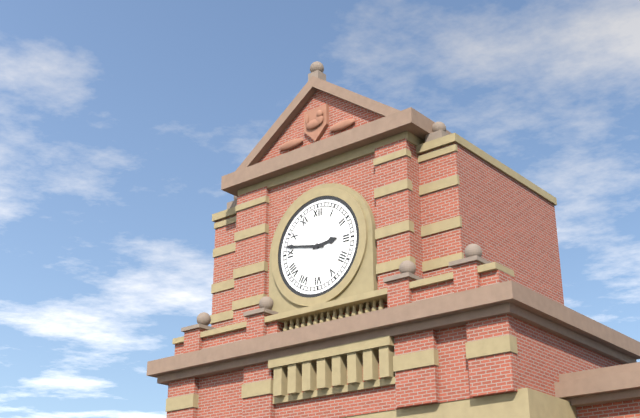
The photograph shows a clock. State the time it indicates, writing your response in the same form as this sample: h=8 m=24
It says h=2 m=47
